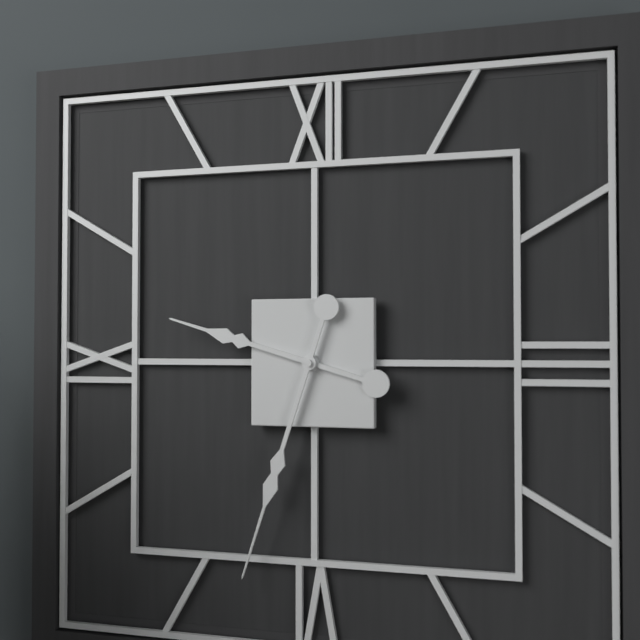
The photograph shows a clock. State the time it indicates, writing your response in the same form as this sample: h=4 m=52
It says h=9 m=33
